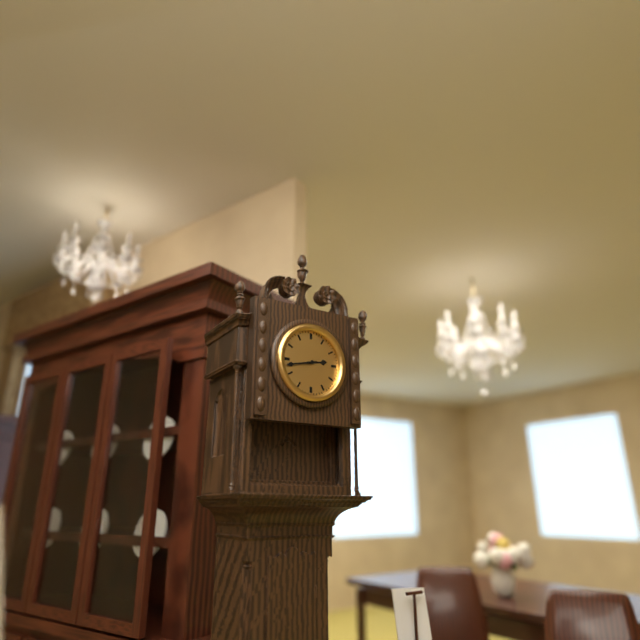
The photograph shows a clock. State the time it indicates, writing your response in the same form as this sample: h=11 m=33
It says h=2 m=43
